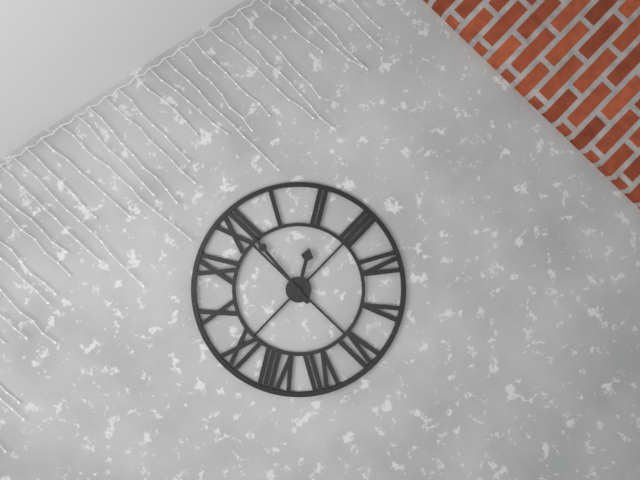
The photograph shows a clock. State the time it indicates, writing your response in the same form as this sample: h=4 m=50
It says h=2 m=1
